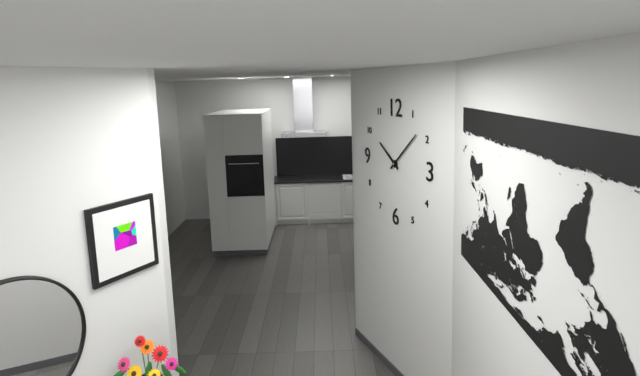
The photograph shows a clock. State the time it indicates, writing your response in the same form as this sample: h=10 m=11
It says h=10 m=8
